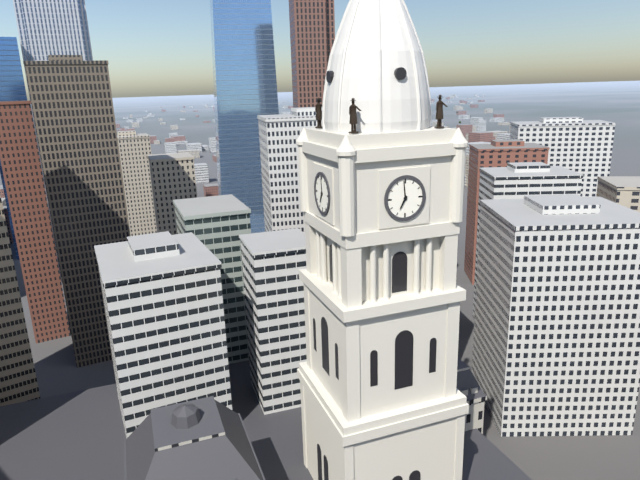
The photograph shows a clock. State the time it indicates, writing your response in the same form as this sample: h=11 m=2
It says h=6 m=59
